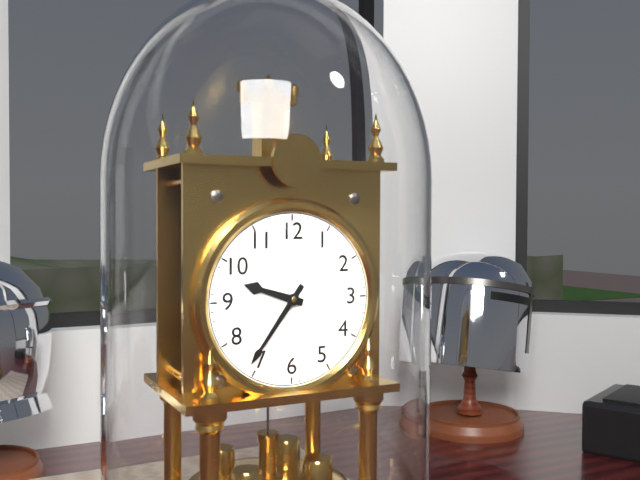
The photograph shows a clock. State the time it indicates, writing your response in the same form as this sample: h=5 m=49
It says h=9 m=36
